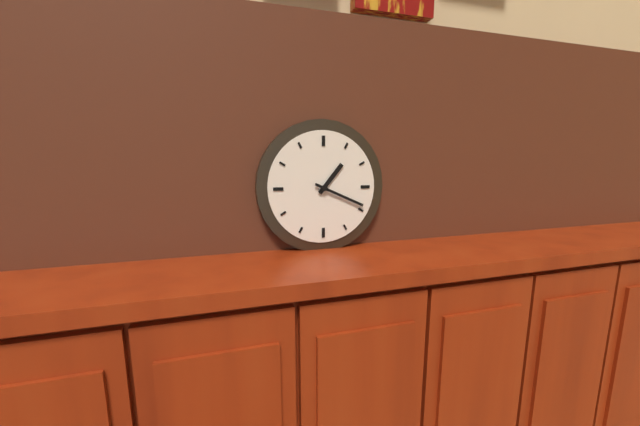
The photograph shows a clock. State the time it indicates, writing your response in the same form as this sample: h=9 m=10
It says h=1 m=19
